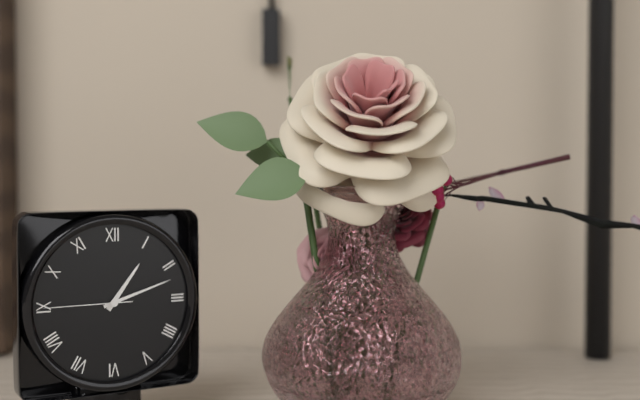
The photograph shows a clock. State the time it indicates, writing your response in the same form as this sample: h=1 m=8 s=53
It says h=1 m=12 s=45
